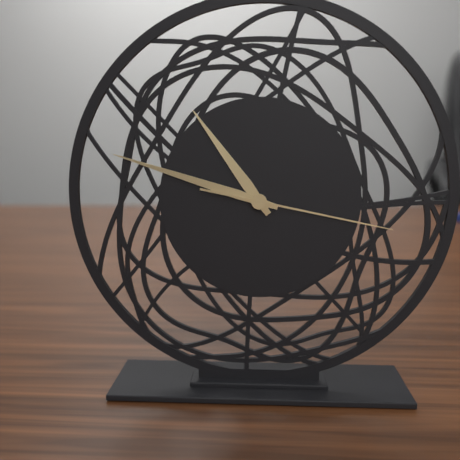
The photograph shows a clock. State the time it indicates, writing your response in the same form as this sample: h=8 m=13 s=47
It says h=10 m=48 s=17
